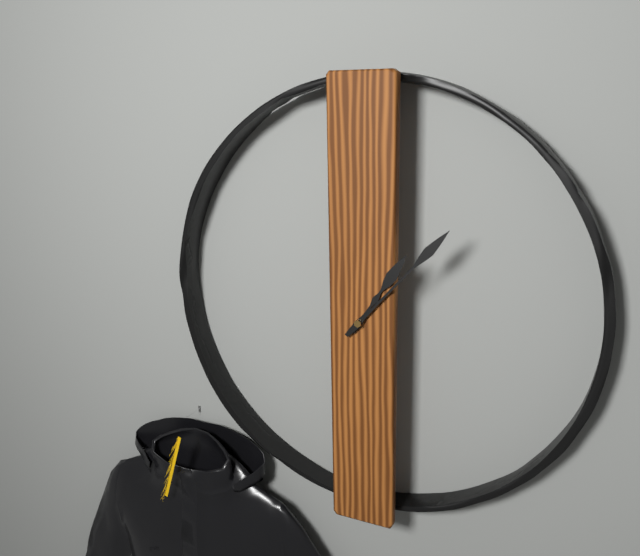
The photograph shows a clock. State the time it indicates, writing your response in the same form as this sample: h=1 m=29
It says h=1 m=7
